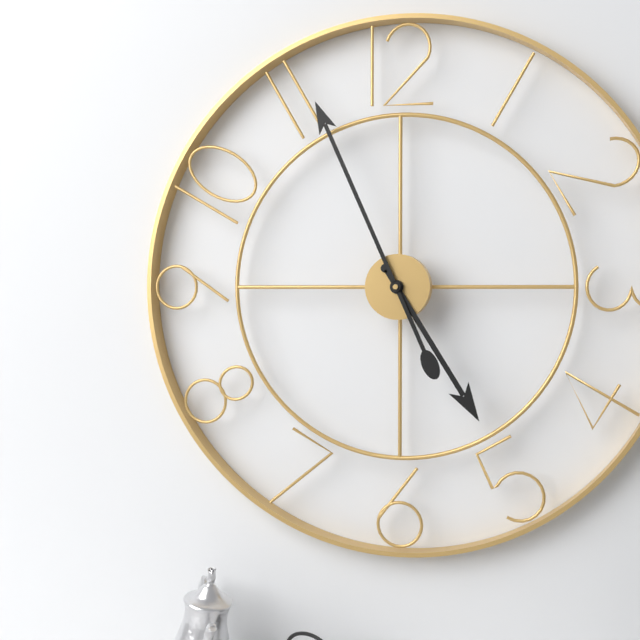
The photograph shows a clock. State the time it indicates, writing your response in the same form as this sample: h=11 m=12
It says h=4 m=56
